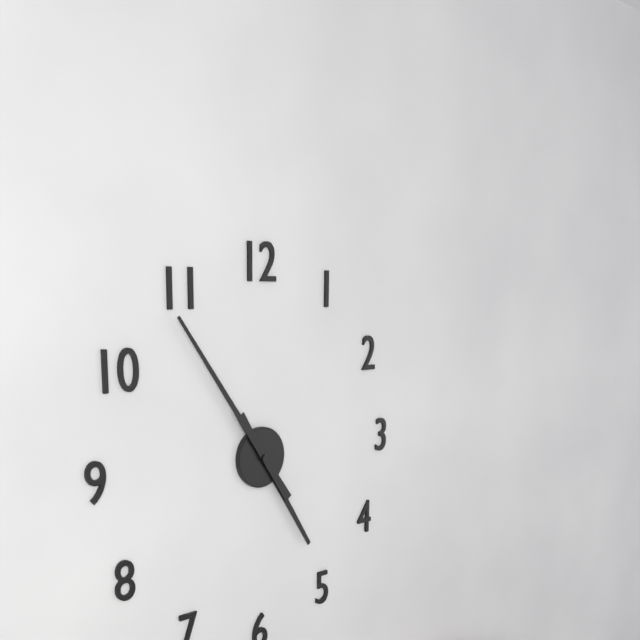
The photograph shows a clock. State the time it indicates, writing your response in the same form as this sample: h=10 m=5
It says h=4 m=54
